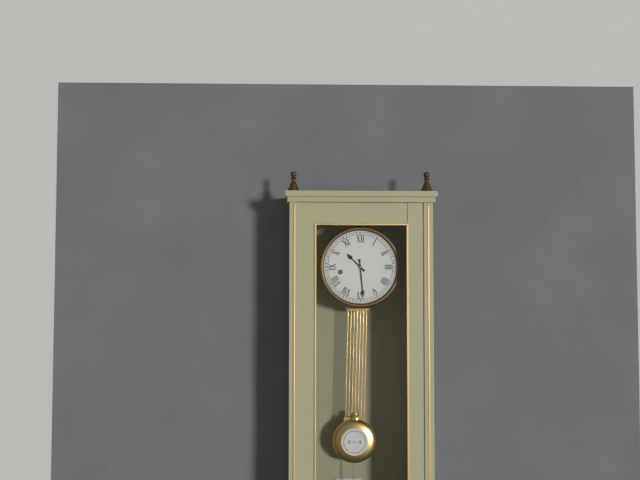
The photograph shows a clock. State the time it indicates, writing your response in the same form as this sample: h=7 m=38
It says h=10 m=29
